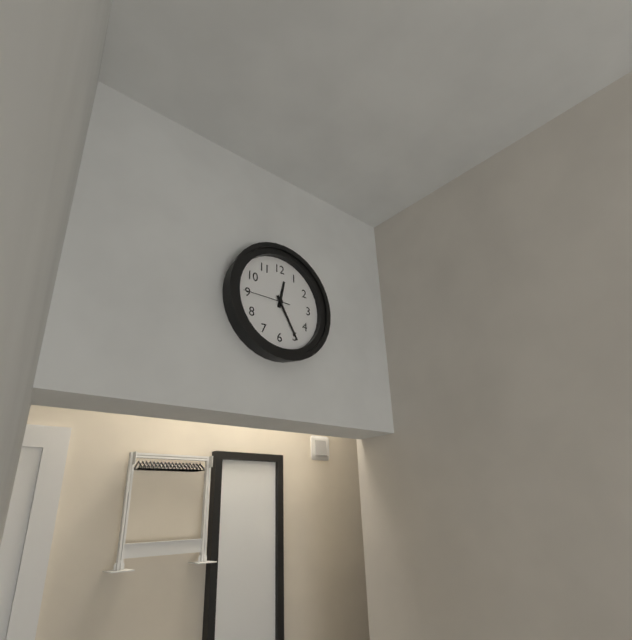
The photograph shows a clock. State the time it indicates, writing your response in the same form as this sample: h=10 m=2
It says h=12 m=25
